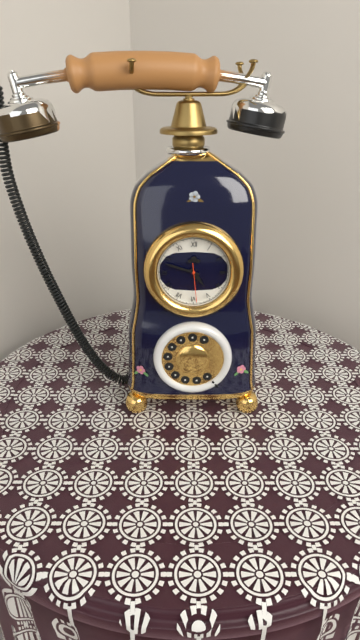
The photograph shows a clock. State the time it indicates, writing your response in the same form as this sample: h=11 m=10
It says h=4 m=48
